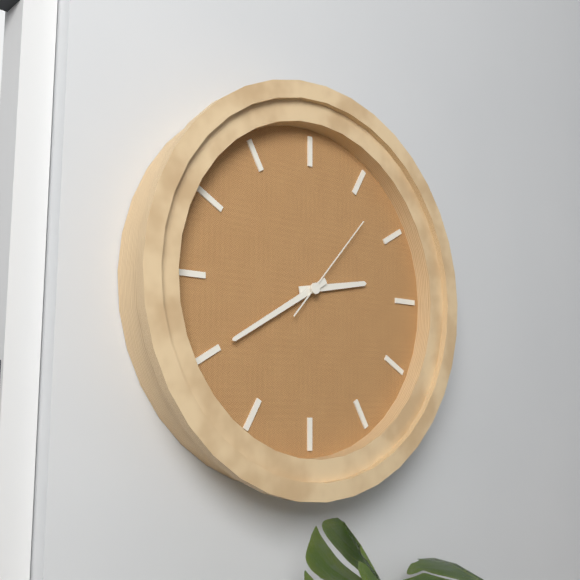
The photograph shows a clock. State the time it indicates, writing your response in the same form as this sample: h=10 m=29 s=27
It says h=2 m=40 s=7
